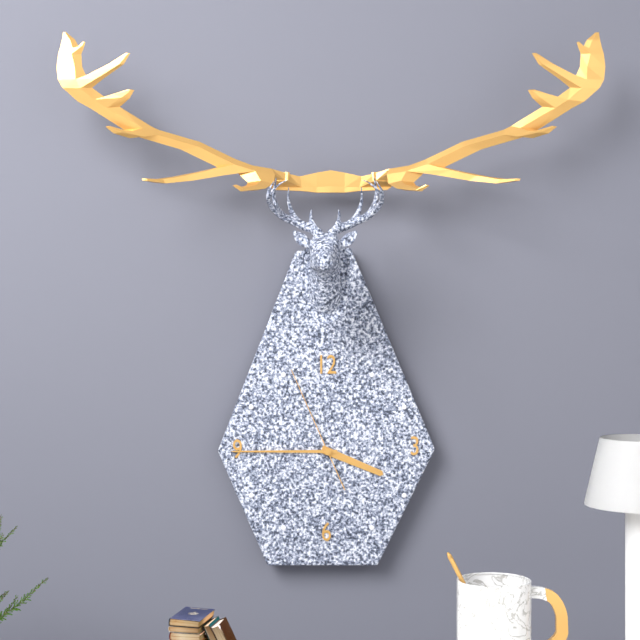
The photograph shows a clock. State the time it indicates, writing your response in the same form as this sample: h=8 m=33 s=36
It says h=3 m=45 s=56
